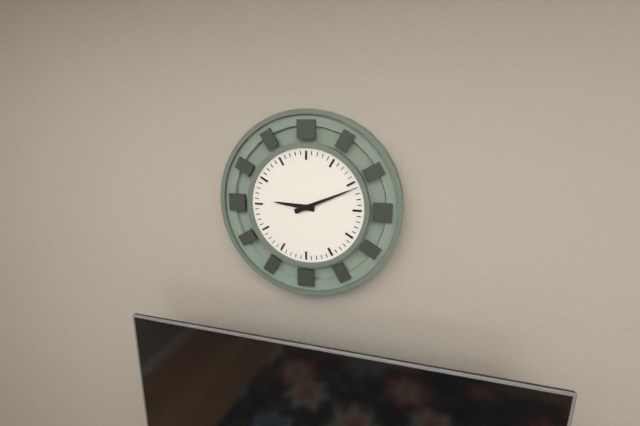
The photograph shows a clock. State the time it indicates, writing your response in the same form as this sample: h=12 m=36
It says h=9 m=11
